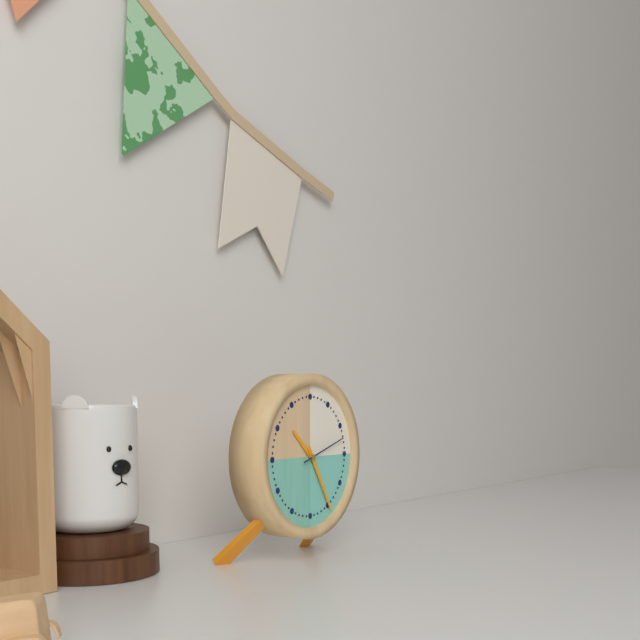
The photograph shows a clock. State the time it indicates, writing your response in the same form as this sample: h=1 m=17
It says h=10 m=25
